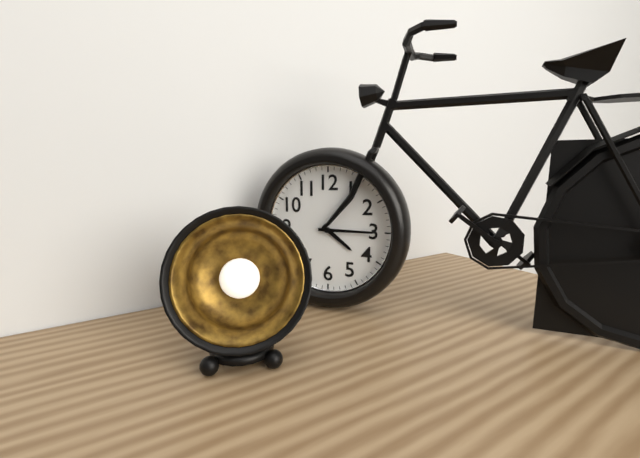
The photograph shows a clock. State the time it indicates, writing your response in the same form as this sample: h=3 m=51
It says h=4 m=15
